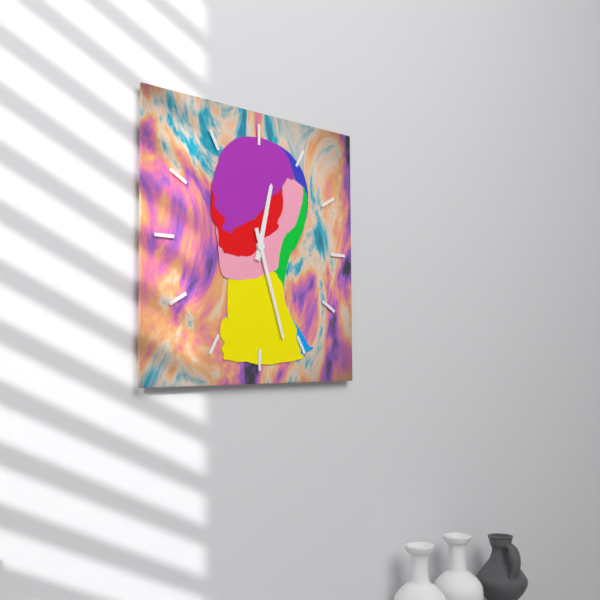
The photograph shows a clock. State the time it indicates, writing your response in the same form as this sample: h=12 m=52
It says h=12 m=27
